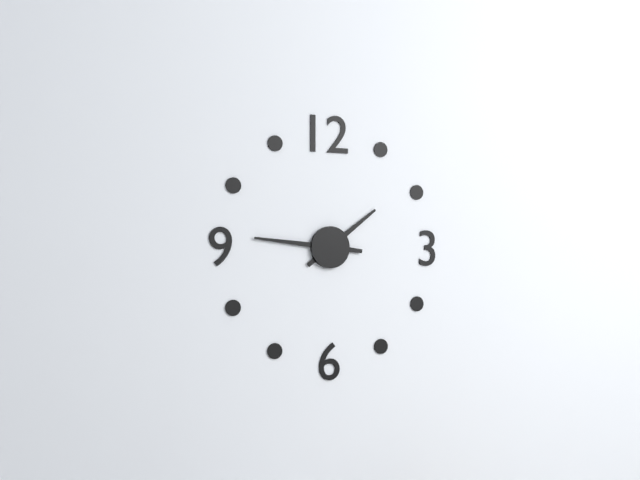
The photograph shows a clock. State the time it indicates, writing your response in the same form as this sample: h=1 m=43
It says h=1 m=46
